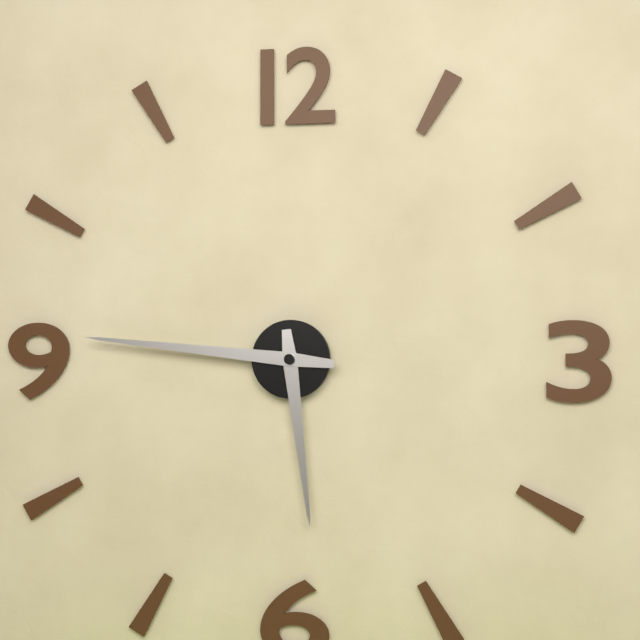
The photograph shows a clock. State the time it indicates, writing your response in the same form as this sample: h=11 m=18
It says h=5 m=46
